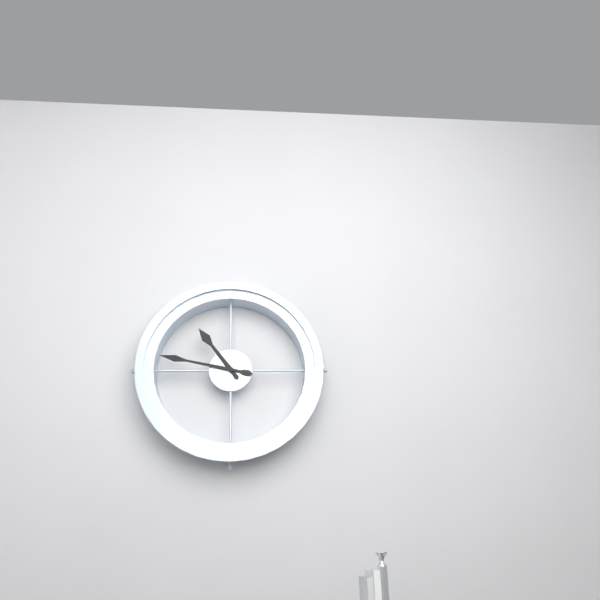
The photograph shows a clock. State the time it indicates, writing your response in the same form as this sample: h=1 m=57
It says h=10 m=47
